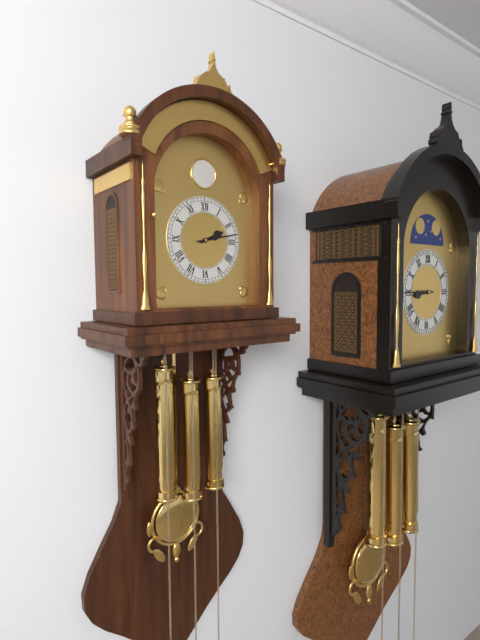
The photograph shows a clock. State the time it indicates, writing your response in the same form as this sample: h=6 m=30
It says h=2 m=13
